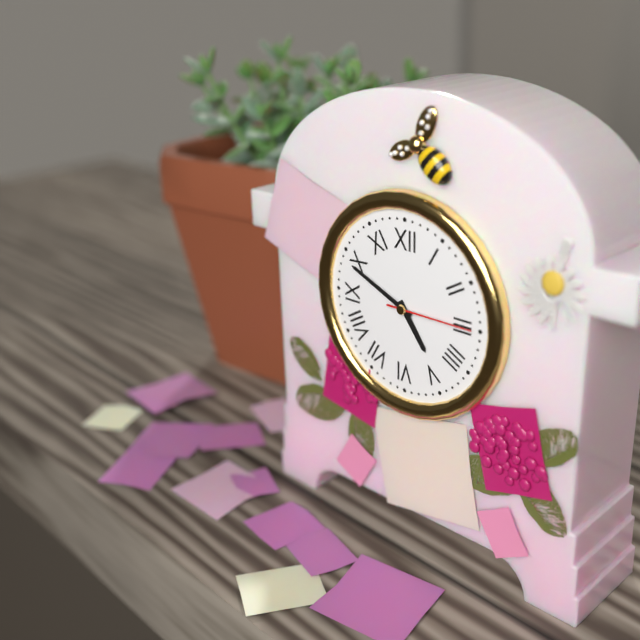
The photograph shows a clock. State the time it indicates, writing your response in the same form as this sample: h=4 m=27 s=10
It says h=4 m=49 s=15
